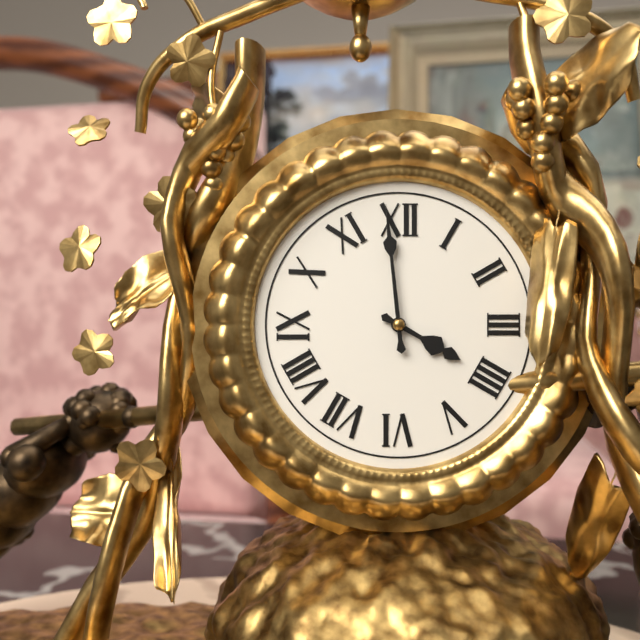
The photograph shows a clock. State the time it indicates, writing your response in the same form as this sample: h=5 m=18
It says h=3 m=59
